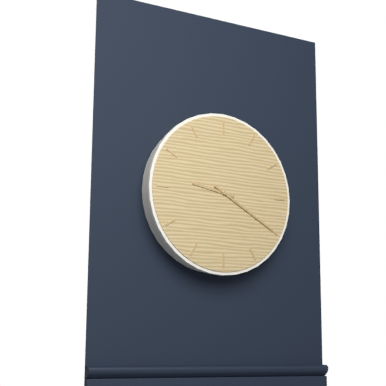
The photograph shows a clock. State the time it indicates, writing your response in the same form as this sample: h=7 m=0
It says h=9 m=20
